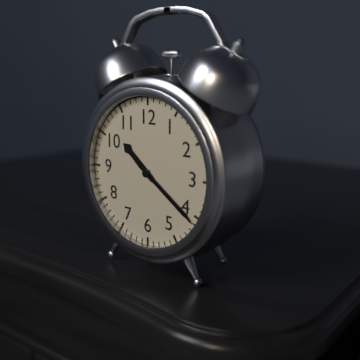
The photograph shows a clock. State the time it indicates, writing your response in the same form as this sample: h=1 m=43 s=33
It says h=10 m=21 s=21
